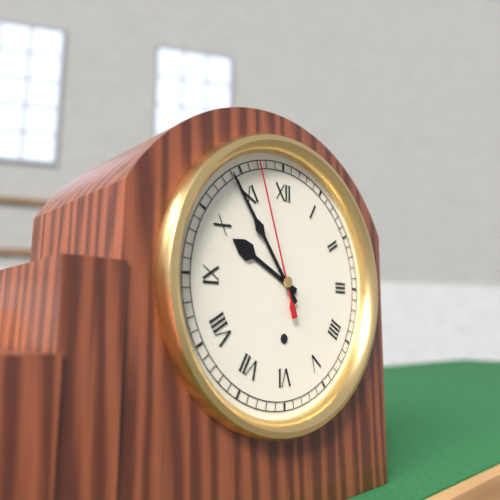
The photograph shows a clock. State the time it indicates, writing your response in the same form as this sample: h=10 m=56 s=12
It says h=9 m=54 s=57
